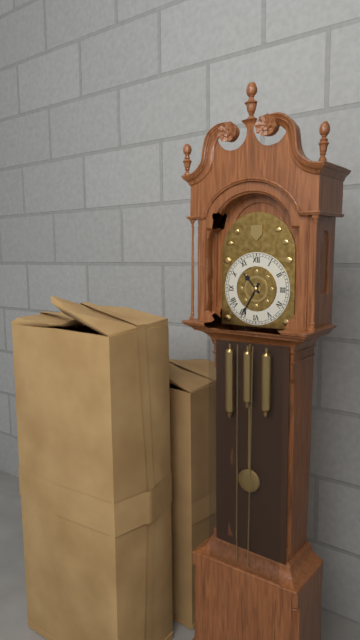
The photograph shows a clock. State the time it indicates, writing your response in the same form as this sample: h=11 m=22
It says h=10 m=35
